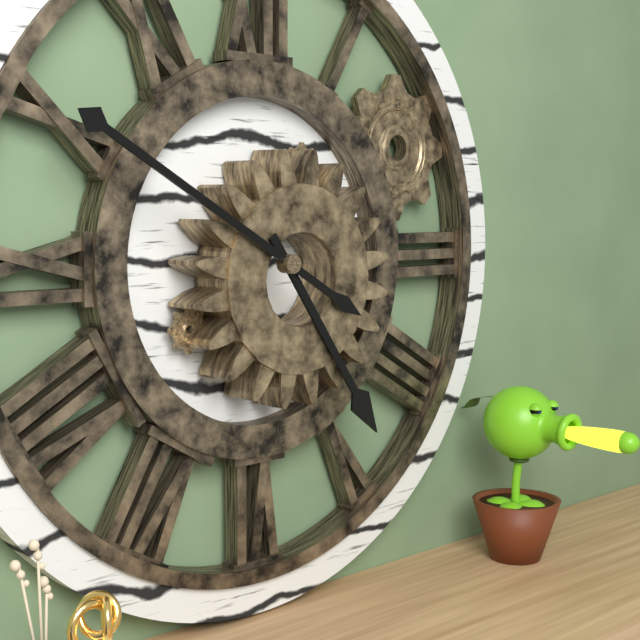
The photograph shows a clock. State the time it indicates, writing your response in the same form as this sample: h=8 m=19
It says h=4 m=50
